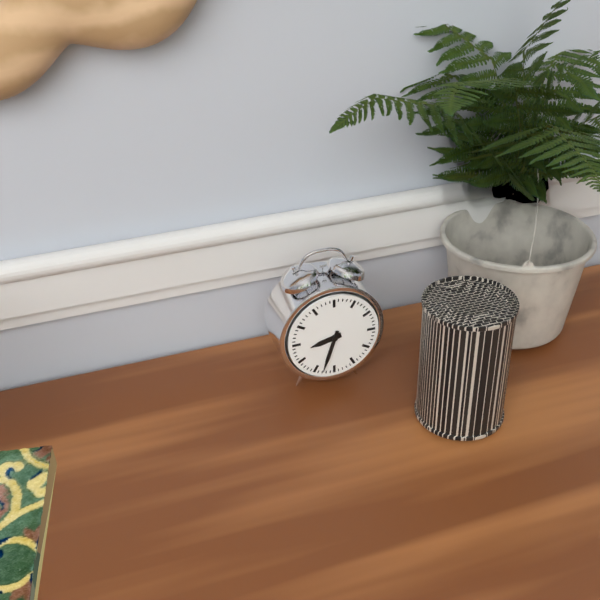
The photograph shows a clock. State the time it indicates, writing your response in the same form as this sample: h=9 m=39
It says h=8 m=33
